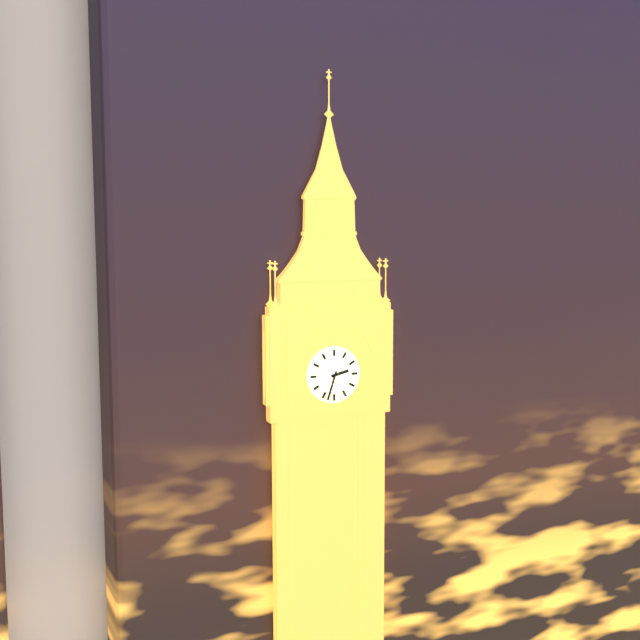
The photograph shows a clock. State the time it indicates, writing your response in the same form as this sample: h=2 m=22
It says h=2 m=33
